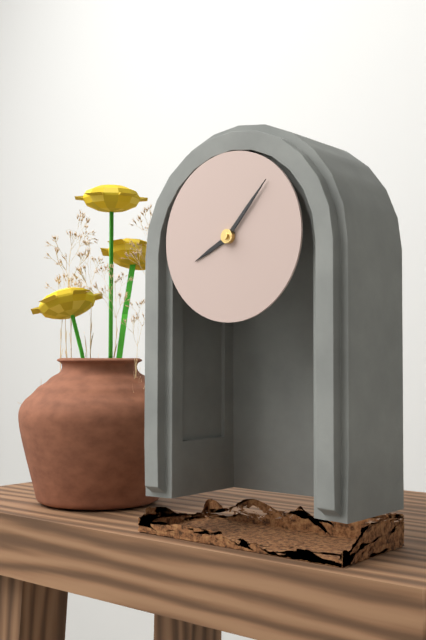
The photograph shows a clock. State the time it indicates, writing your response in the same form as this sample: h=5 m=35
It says h=8 m=7
